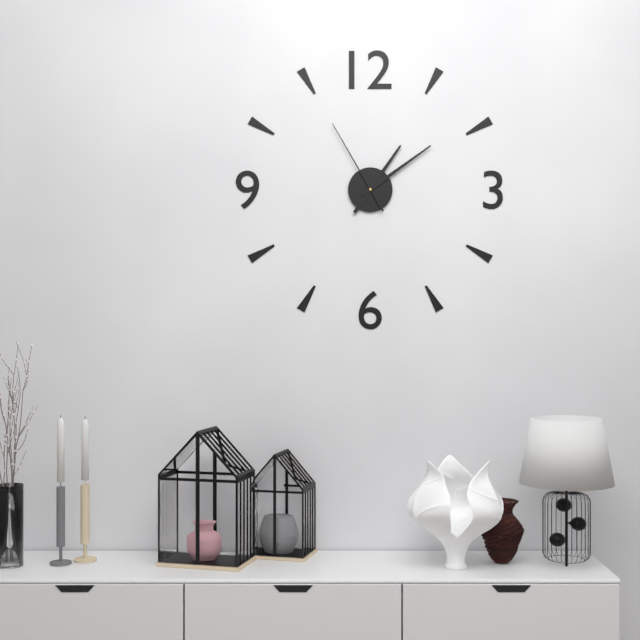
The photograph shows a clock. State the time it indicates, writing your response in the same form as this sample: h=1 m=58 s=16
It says h=1 m=9 s=55
